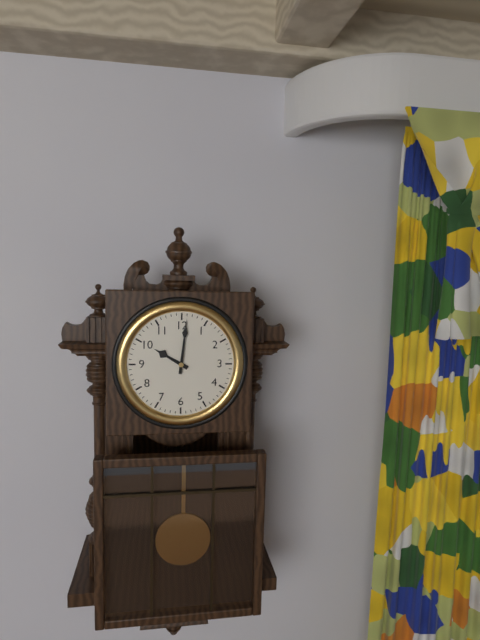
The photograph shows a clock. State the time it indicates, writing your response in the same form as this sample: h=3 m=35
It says h=10 m=1
